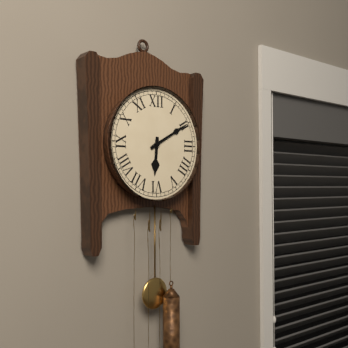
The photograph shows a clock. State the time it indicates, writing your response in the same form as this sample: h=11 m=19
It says h=6 m=10
